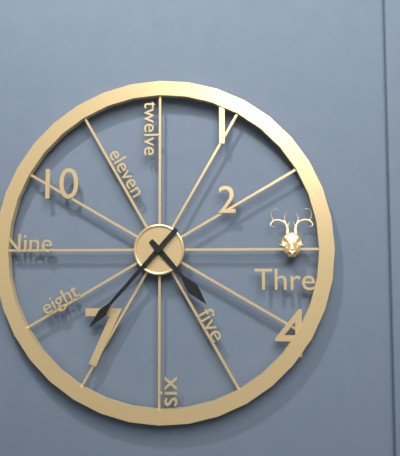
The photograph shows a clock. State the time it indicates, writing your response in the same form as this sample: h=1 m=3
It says h=4 m=37
